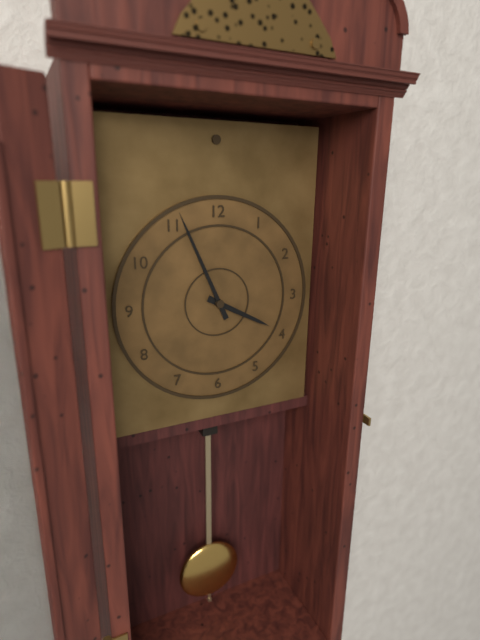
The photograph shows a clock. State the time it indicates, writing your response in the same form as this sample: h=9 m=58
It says h=3 m=56
